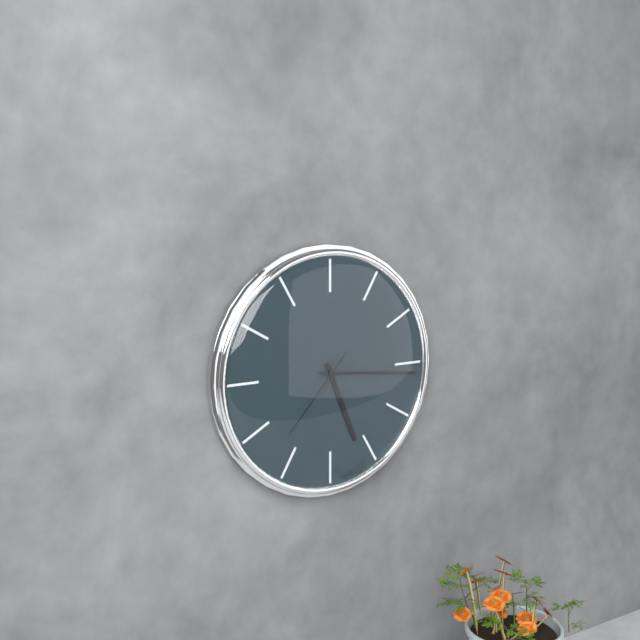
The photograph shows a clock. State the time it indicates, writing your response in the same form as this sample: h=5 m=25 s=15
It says h=5 m=16 s=37
